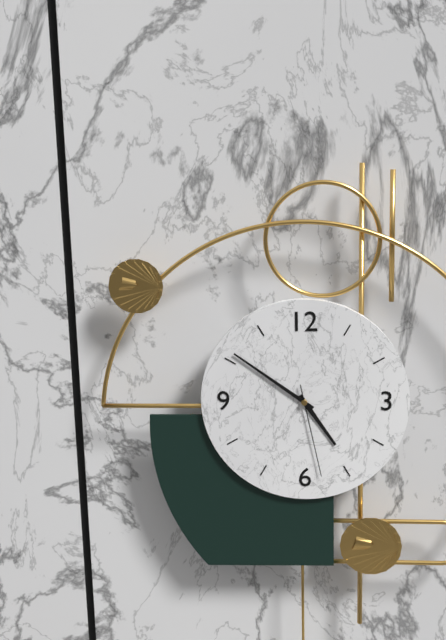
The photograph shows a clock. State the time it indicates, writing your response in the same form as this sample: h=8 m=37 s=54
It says h=4 m=51 s=28
